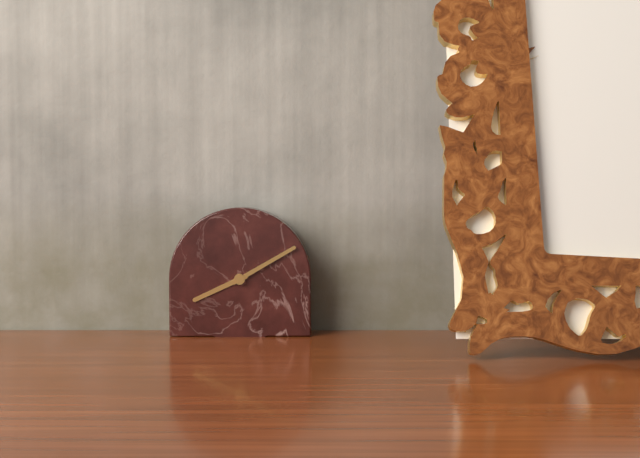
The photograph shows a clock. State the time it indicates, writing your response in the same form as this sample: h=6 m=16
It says h=8 m=10
